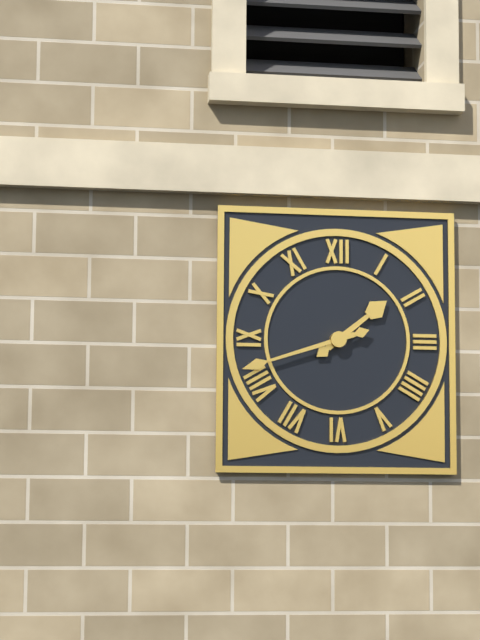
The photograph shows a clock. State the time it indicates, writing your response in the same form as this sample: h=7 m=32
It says h=1 m=42
